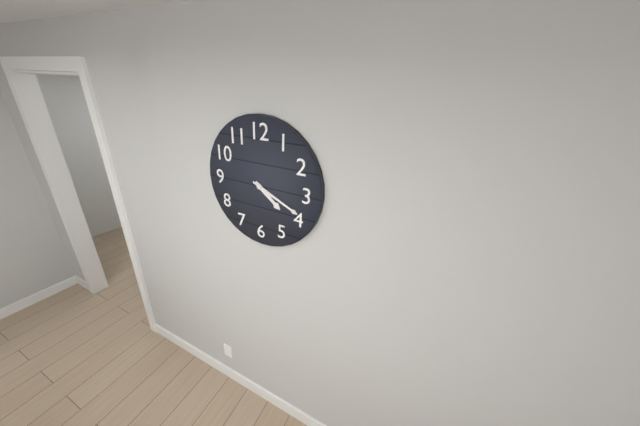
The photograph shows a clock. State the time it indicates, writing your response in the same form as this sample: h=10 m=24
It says h=4 m=19
